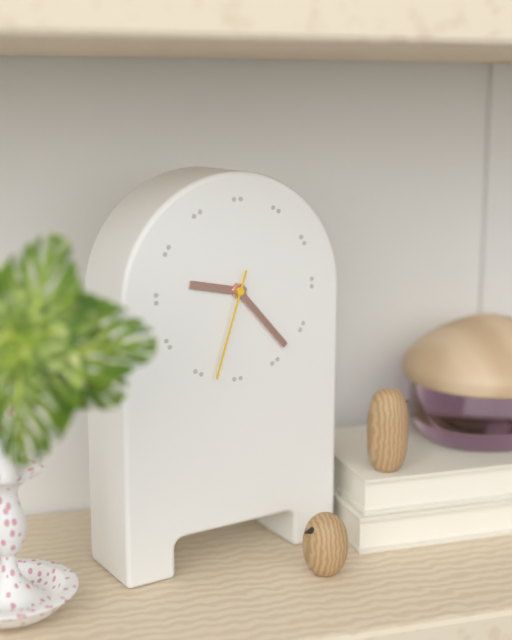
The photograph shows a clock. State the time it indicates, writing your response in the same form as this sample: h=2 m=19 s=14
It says h=9 m=23 s=33
